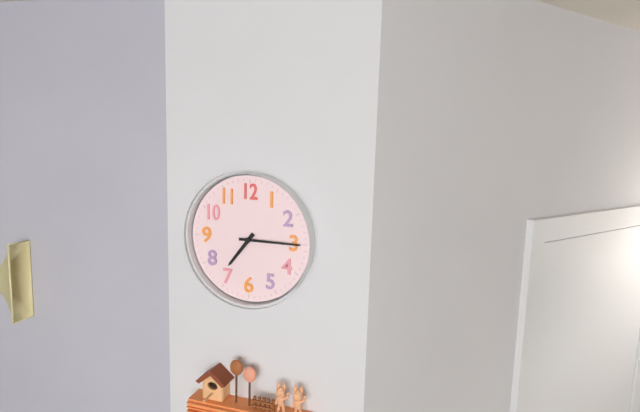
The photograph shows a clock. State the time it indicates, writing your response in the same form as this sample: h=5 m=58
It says h=7 m=15
